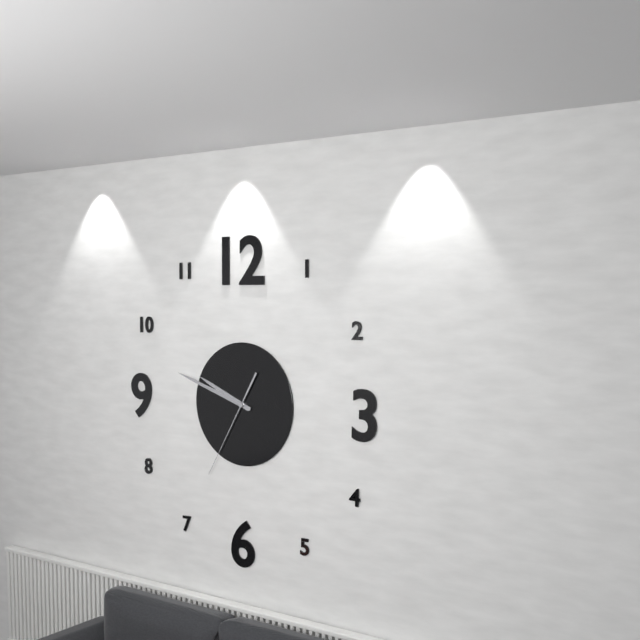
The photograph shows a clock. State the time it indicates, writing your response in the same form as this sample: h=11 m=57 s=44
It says h=9 m=48 s=35
